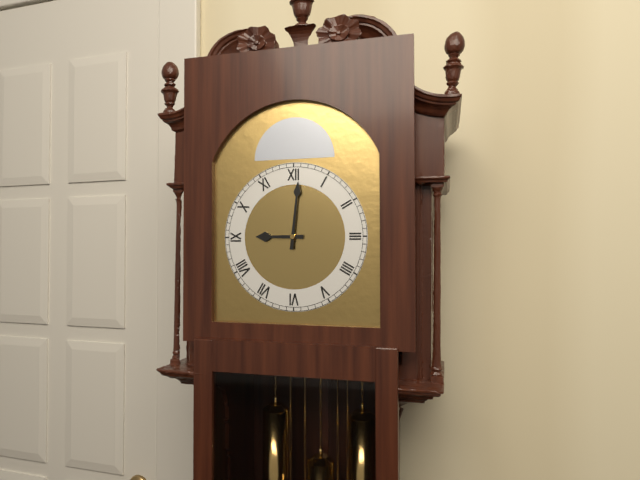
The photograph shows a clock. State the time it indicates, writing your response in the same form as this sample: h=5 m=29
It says h=9 m=1
